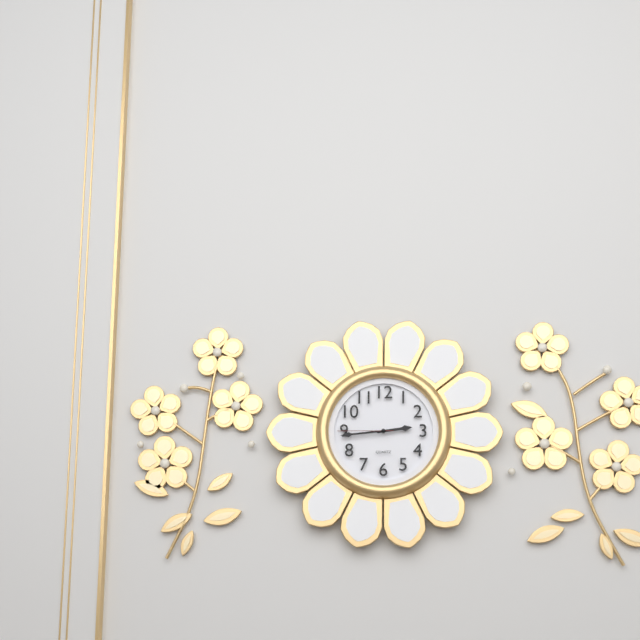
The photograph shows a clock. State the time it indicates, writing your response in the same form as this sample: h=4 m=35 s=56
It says h=2 m=44 s=45
